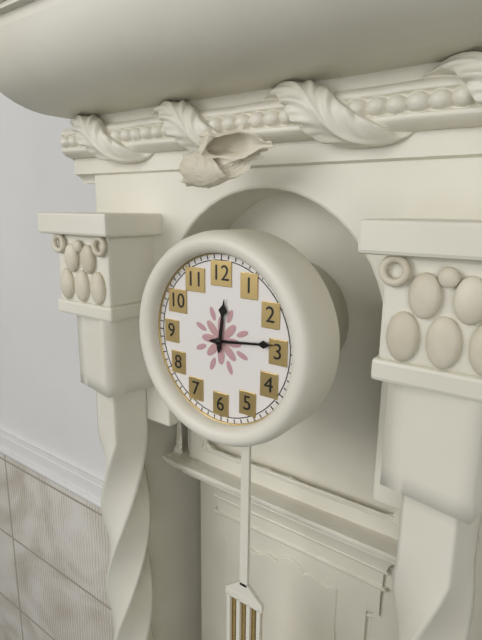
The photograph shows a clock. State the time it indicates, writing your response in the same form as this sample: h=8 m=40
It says h=12 m=14
